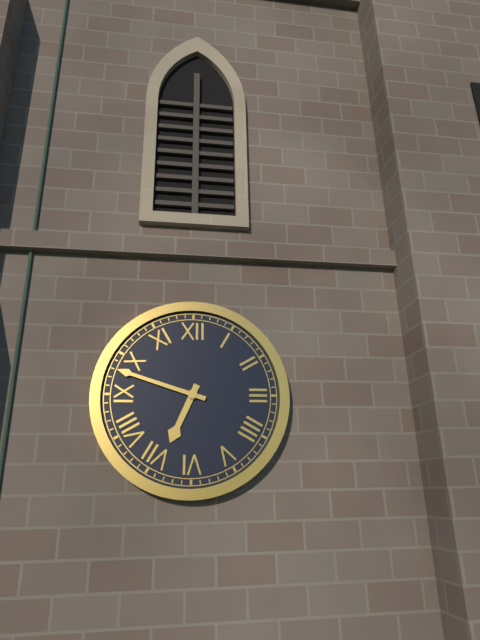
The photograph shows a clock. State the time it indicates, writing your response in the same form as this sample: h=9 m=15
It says h=6 m=48
